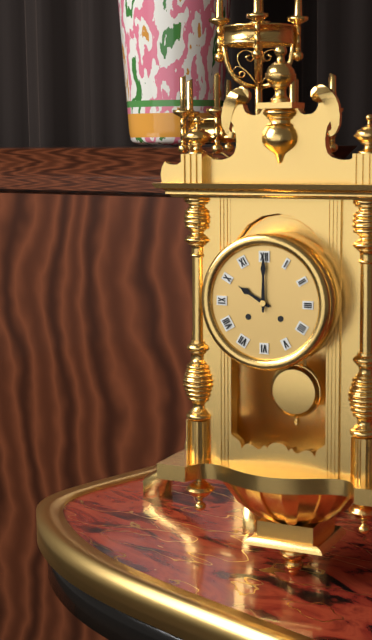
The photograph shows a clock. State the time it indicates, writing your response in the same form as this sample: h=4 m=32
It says h=10 m=0
